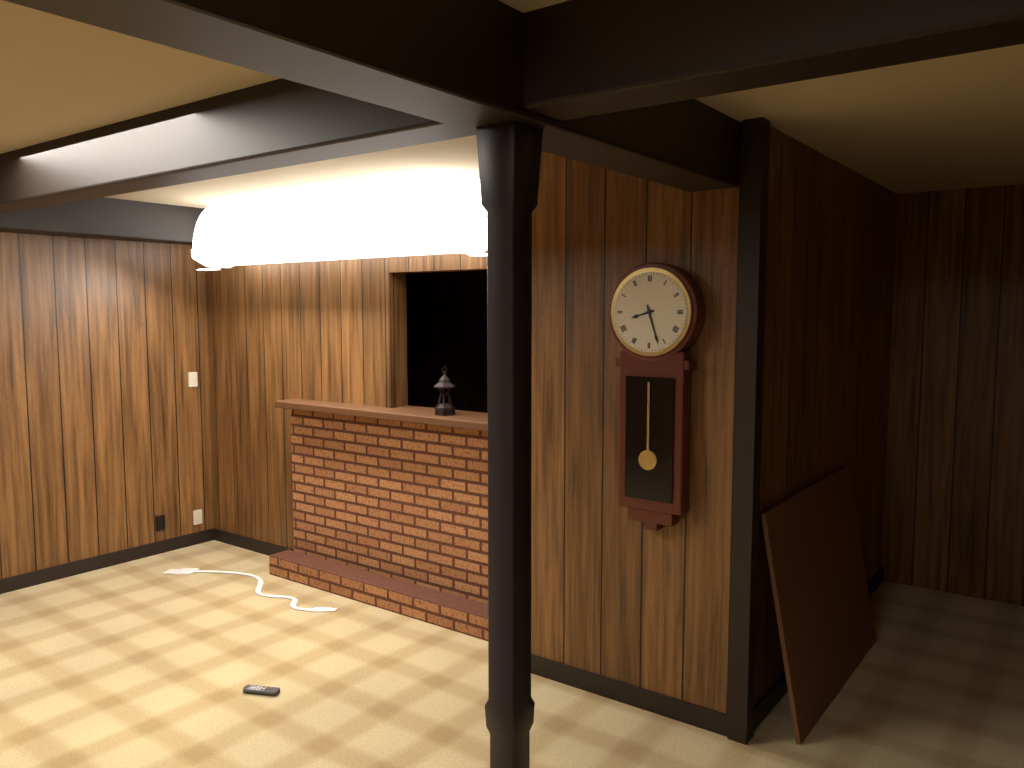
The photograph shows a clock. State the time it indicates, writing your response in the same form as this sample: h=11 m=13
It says h=8 m=27
